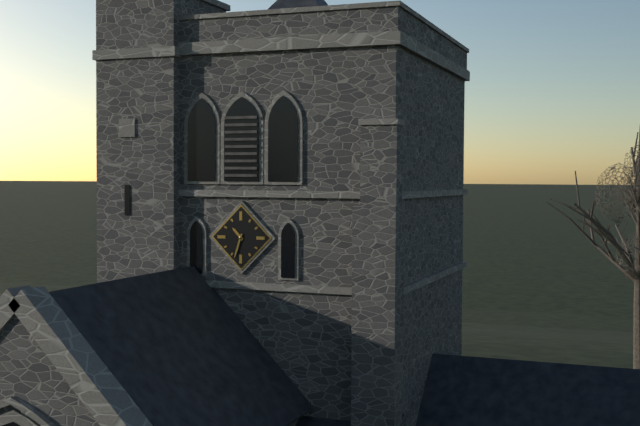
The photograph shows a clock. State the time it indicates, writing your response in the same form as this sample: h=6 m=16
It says h=10 m=33
